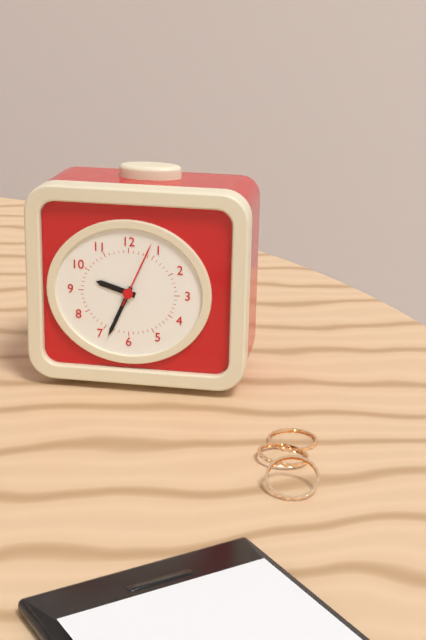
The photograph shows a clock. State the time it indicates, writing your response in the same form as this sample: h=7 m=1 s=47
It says h=9 m=34 s=4
